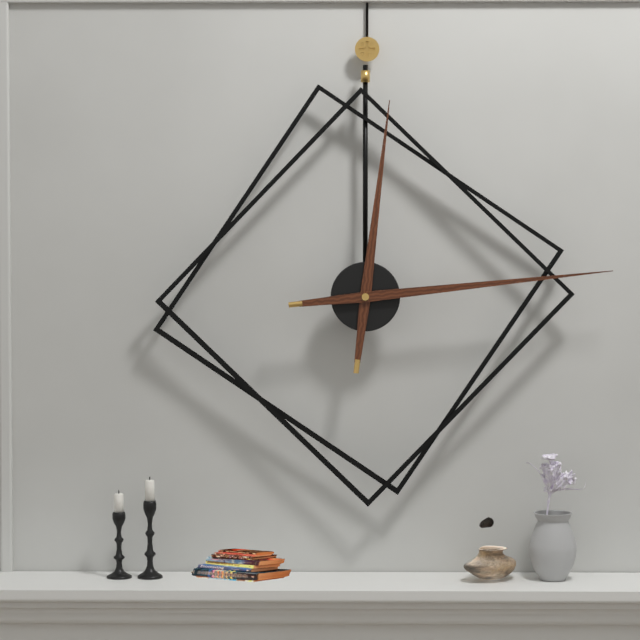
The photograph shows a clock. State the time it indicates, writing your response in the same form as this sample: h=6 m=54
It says h=12 m=14
